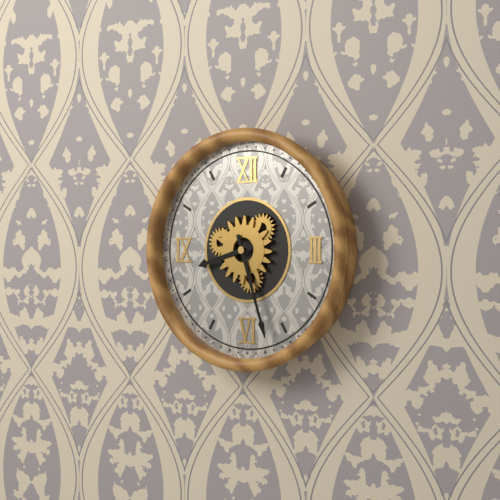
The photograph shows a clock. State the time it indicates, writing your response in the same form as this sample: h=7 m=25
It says h=8 m=27
